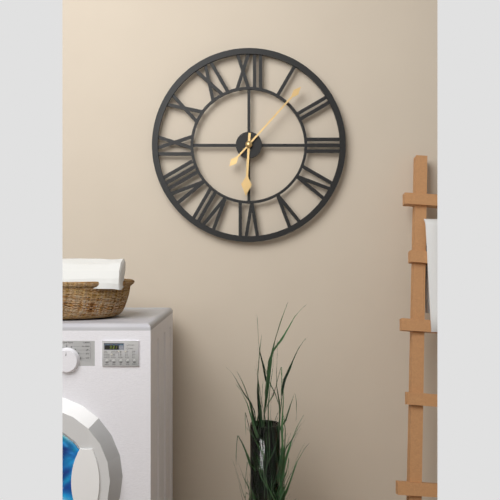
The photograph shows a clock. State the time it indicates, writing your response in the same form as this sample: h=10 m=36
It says h=6 m=7
